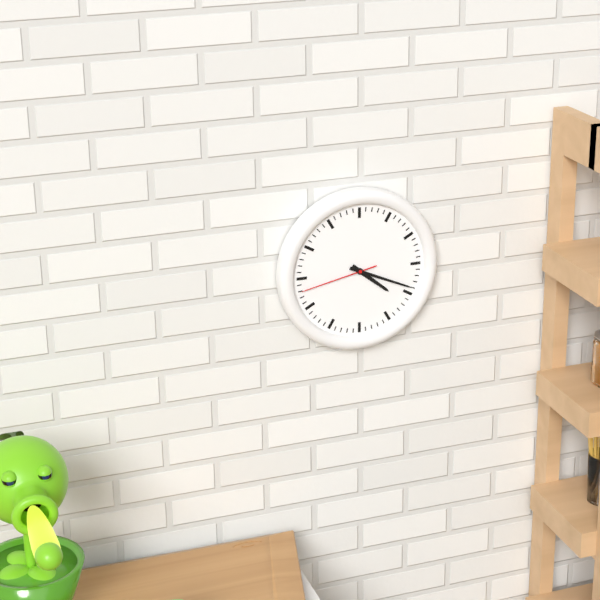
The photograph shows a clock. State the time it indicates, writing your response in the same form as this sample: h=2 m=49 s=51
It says h=4 m=19 s=43
